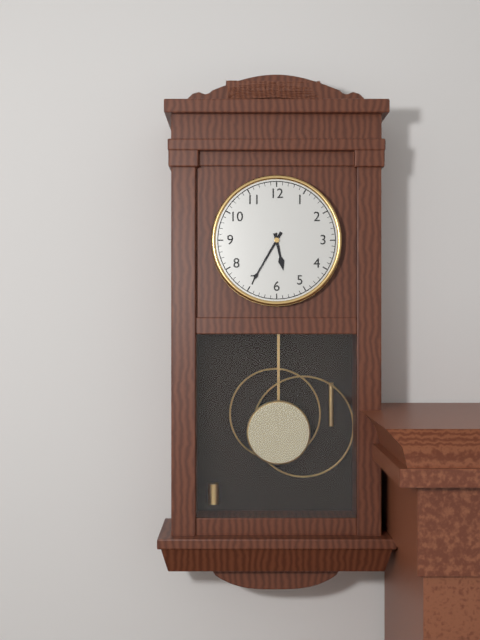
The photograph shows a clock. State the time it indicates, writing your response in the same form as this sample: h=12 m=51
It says h=5 m=35
